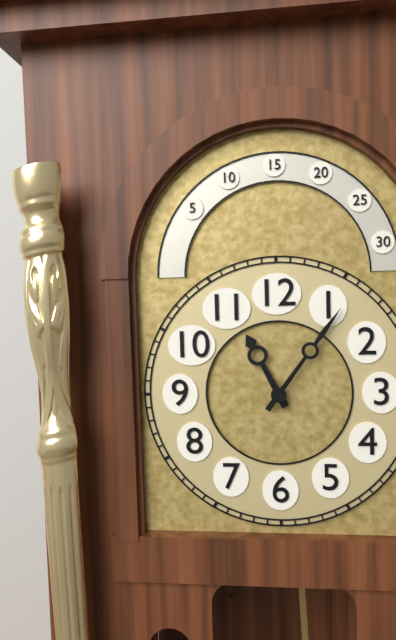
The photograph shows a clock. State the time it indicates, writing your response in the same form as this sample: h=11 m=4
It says h=11 m=6
